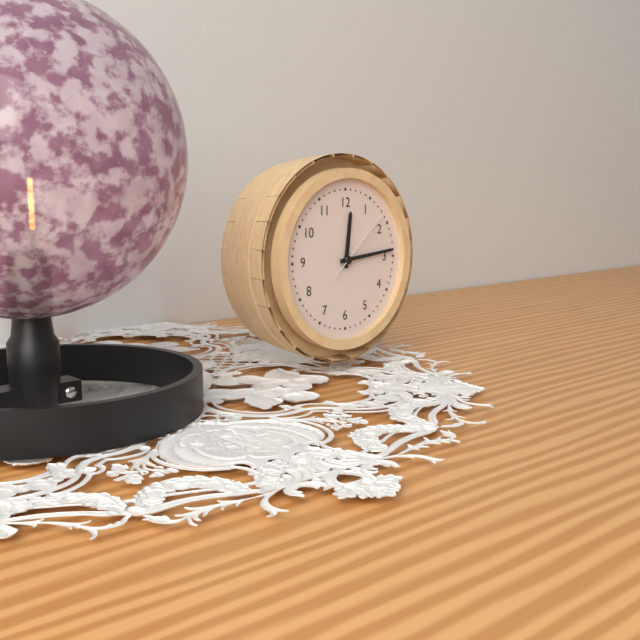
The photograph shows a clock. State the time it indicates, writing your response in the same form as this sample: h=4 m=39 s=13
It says h=12 m=14 s=8
